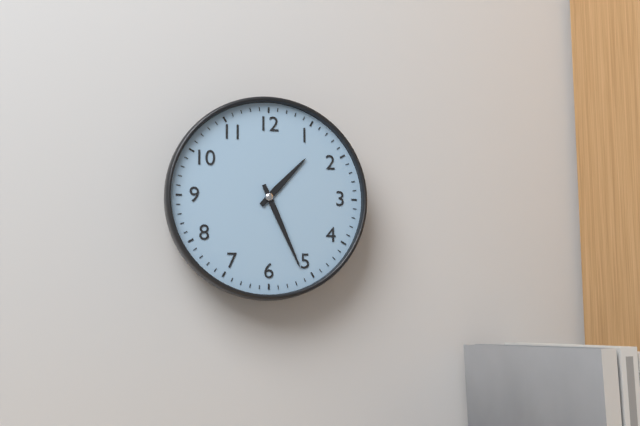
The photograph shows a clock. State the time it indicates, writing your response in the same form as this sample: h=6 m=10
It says h=1 m=26
